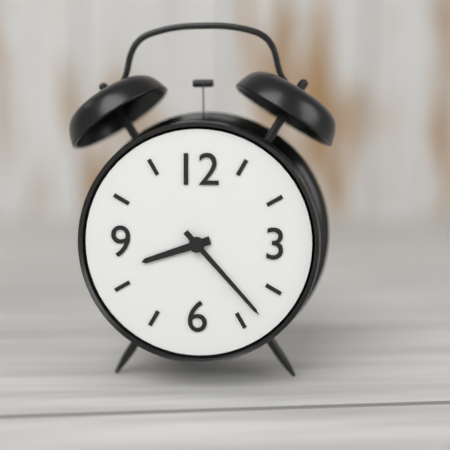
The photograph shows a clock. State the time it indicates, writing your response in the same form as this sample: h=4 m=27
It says h=8 m=23
